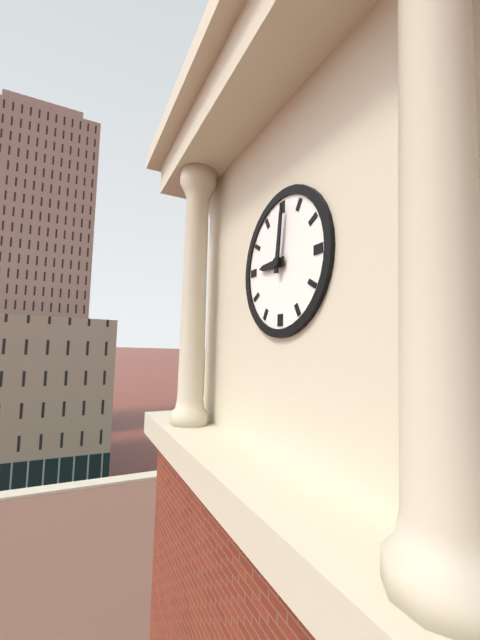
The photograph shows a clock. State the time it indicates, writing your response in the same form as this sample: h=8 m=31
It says h=9 m=1
